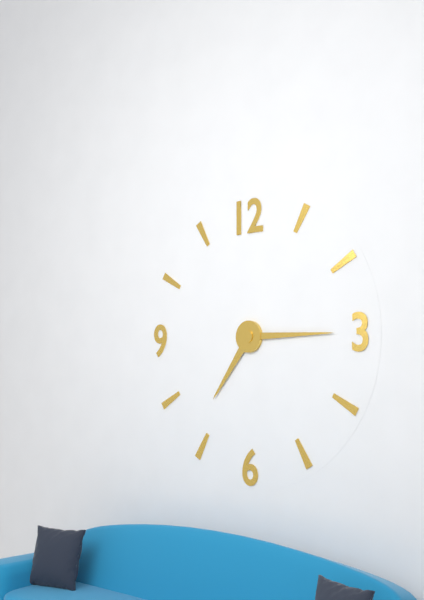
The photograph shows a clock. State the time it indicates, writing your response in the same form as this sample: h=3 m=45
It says h=7 m=15
